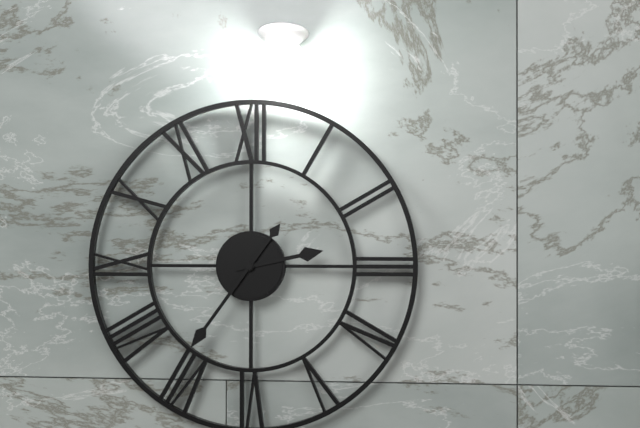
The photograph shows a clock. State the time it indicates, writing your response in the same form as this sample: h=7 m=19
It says h=2 m=36
